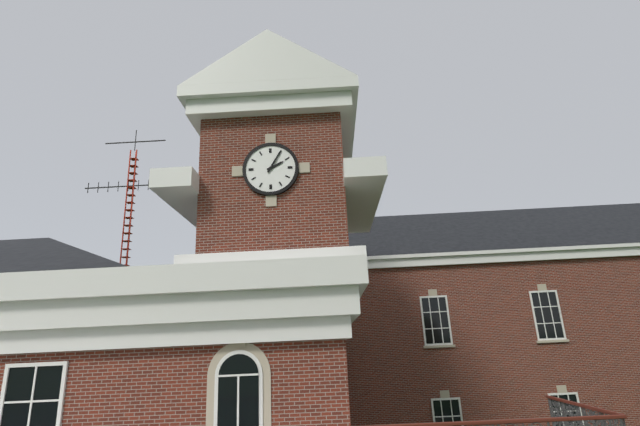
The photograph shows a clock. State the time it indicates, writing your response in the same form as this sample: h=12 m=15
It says h=2 m=5
